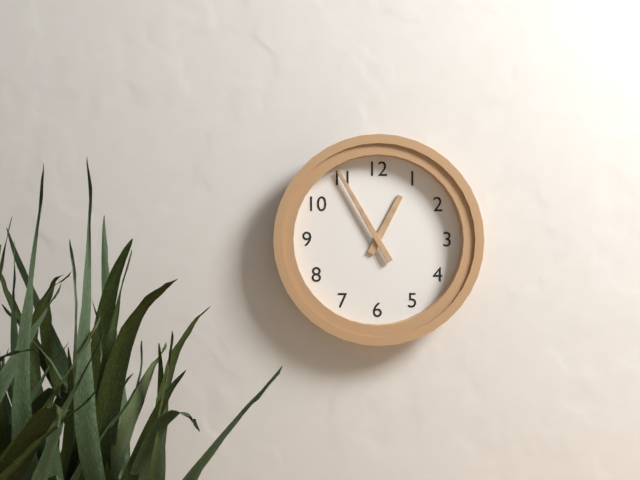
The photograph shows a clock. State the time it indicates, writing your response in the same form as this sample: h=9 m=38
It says h=12 m=55
